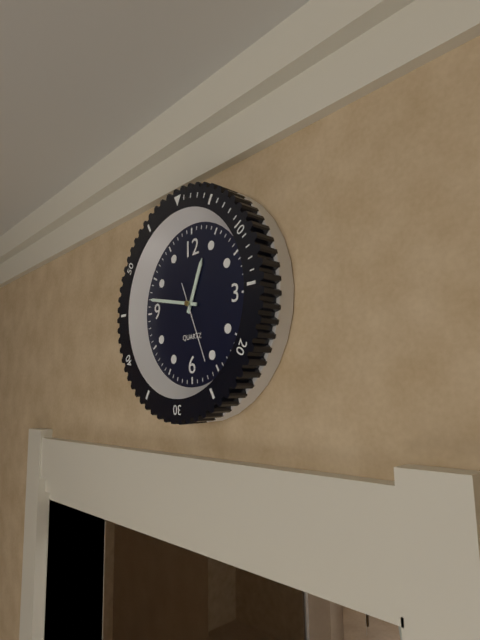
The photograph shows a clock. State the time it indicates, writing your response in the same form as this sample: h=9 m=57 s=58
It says h=12 m=47 s=26
